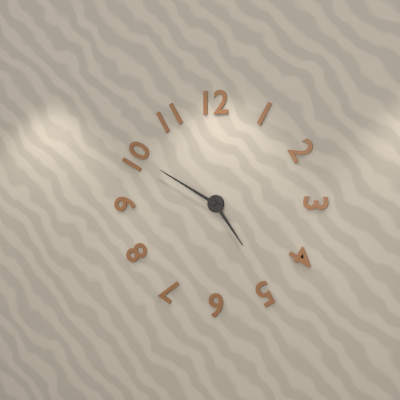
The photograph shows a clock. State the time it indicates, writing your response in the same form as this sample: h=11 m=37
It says h=4 m=50
